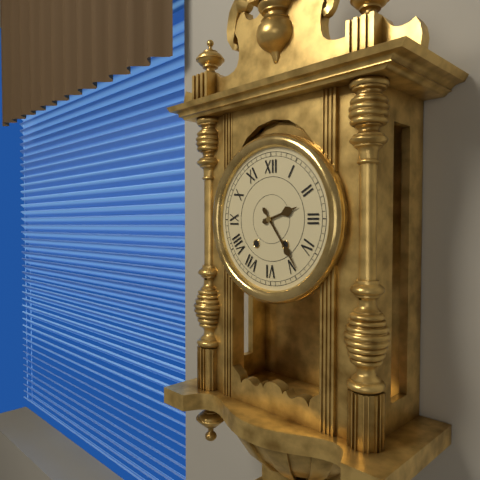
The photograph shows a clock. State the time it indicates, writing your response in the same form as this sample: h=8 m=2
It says h=2 m=24
